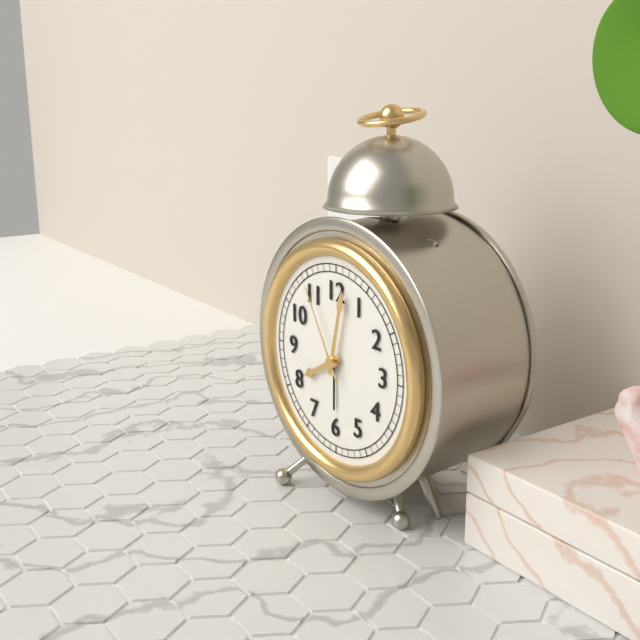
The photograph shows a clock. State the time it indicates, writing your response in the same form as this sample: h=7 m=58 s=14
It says h=8 m=2 s=55
